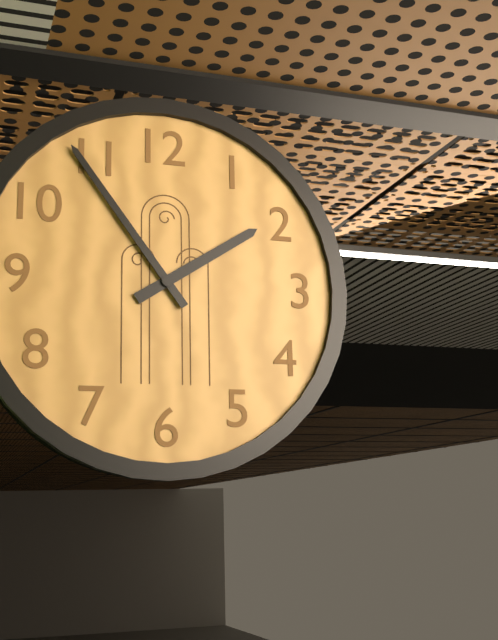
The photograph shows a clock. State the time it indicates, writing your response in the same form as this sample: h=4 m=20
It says h=1 m=54
